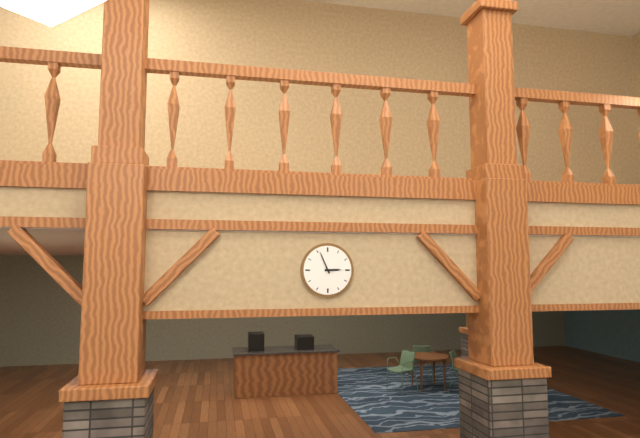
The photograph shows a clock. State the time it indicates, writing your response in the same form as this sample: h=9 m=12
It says h=2 m=56
